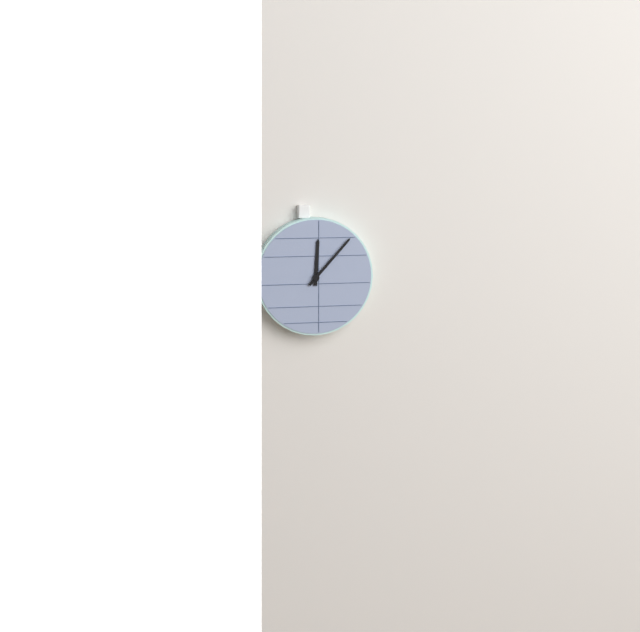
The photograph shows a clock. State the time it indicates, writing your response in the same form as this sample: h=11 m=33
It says h=12 m=7
